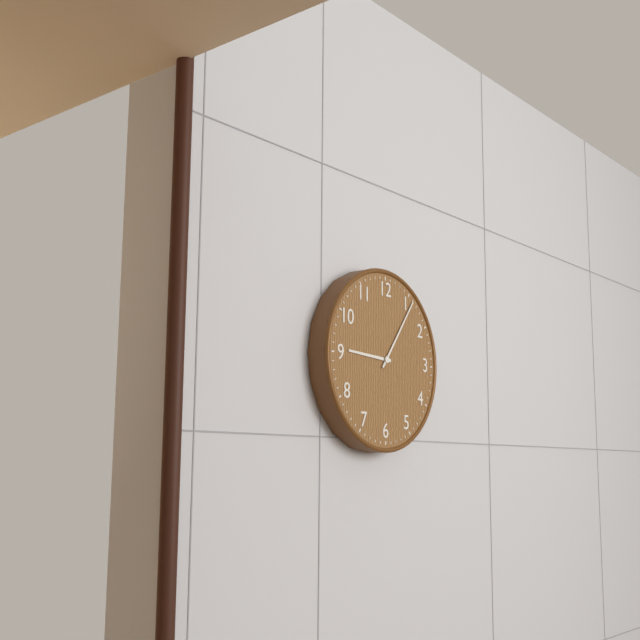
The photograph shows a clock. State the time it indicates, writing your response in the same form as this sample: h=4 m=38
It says h=9 m=6
